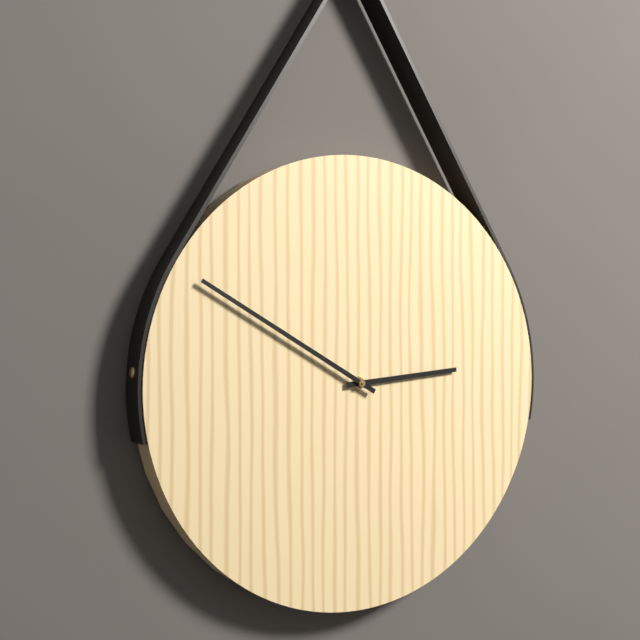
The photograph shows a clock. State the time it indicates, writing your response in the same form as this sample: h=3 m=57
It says h=2 m=50
